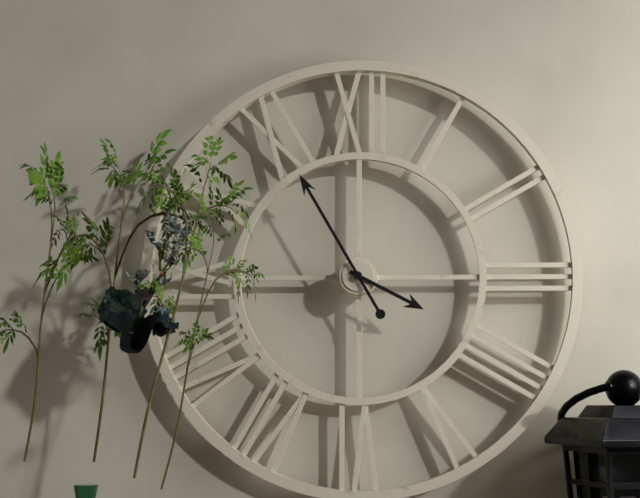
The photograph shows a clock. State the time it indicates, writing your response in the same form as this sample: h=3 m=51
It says h=3 m=55
